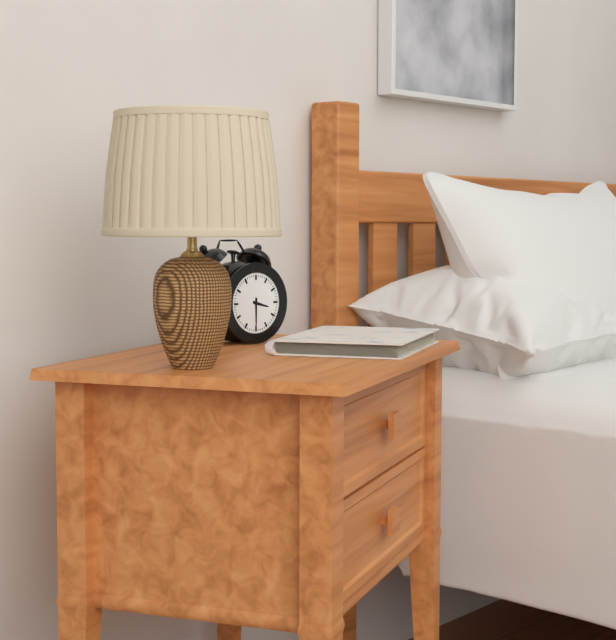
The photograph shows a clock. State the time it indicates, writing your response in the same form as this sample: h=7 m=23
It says h=3 m=30
